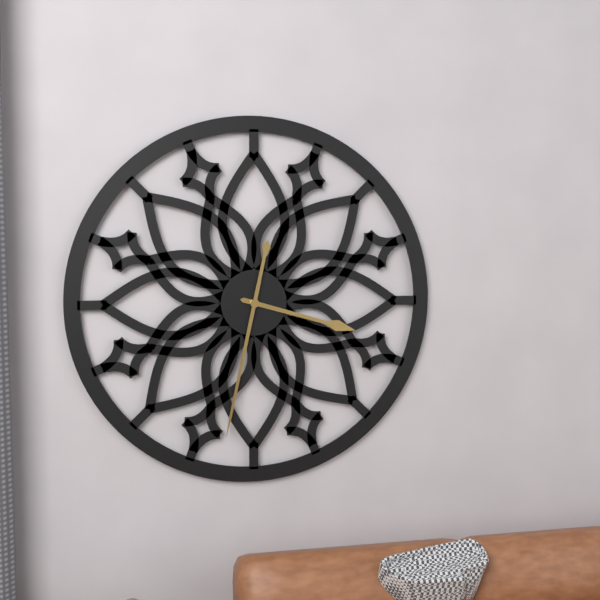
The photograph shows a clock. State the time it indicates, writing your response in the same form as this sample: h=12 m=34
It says h=3 m=32
